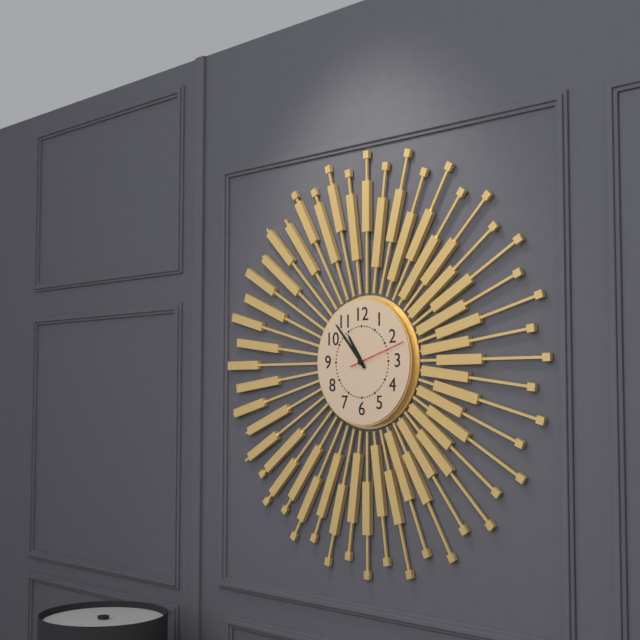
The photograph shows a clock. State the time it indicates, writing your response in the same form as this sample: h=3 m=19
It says h=10 m=53
